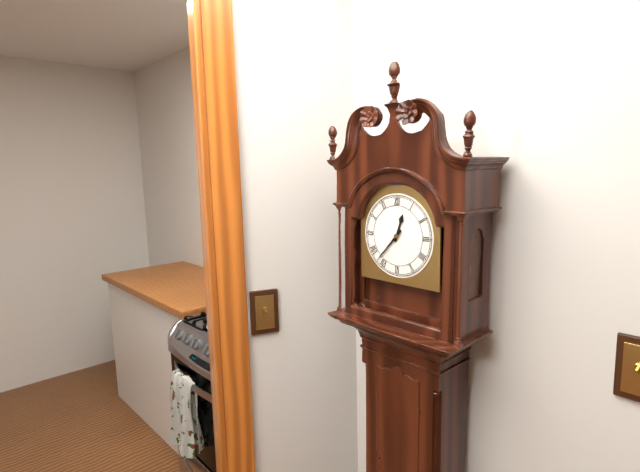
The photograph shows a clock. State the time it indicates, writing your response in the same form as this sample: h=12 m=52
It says h=12 m=37
